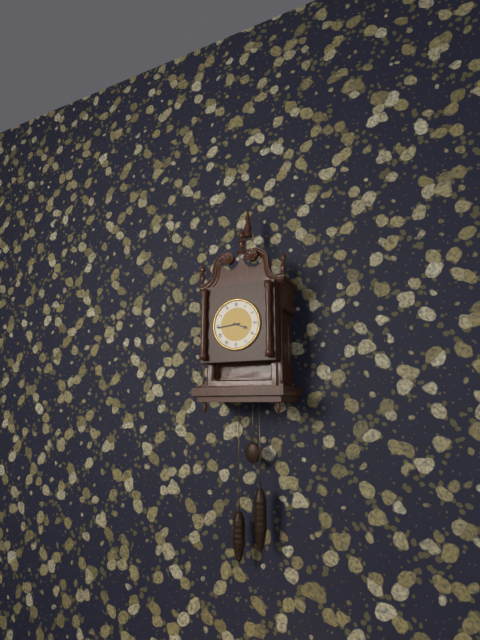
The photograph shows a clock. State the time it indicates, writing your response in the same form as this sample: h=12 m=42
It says h=3 m=44
